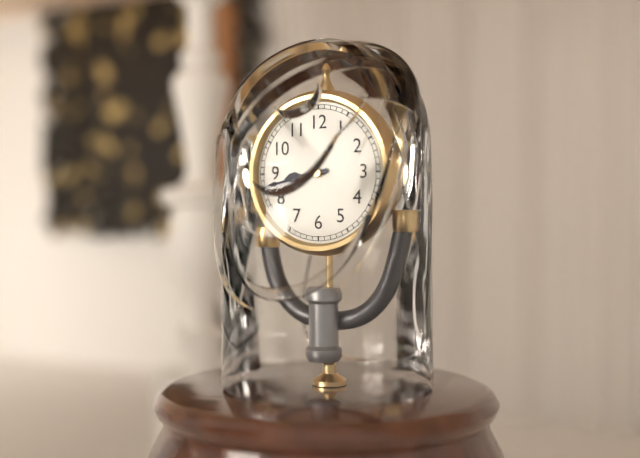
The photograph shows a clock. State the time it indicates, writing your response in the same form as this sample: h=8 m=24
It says h=8 m=43
